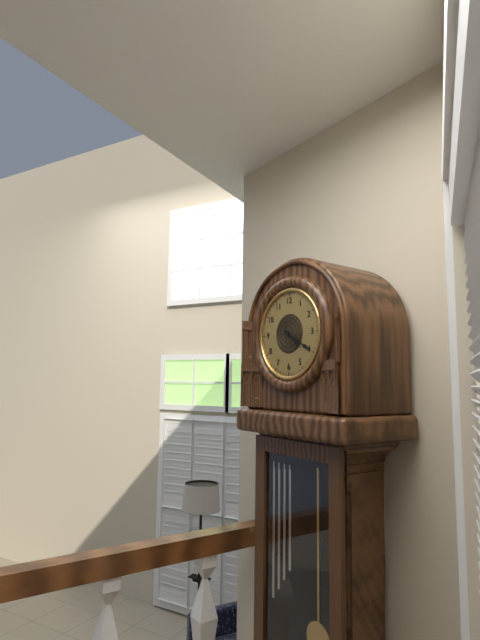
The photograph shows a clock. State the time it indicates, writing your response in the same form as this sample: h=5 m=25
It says h=4 m=20
